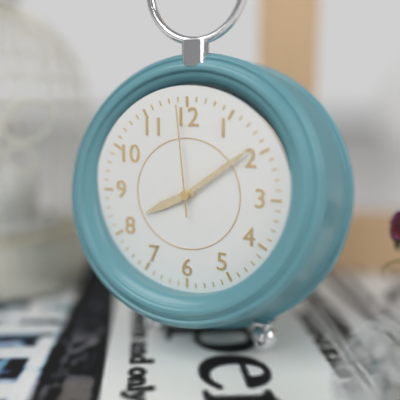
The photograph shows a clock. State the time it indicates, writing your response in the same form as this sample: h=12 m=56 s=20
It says h=8 m=9 s=59
